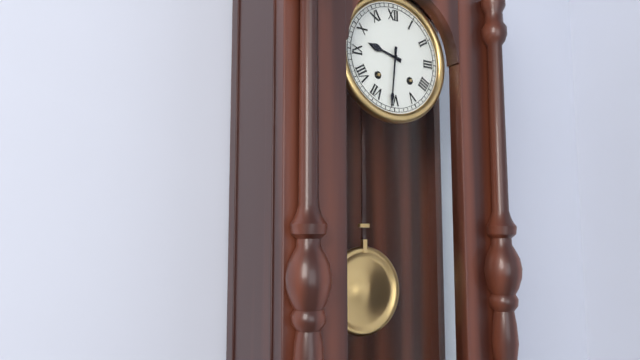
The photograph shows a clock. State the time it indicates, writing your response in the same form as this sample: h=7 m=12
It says h=9 m=31
